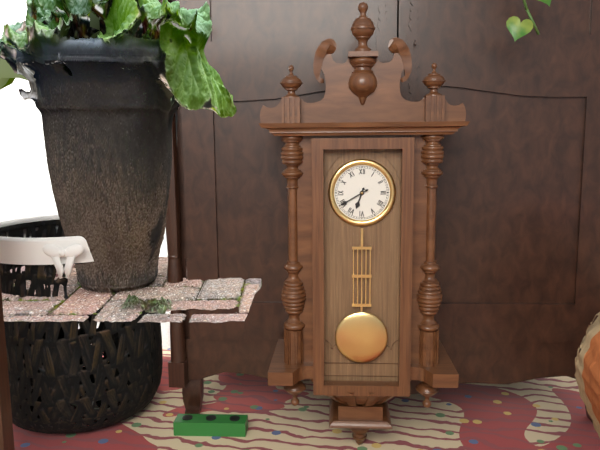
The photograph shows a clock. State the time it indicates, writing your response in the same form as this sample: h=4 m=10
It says h=6 m=40
